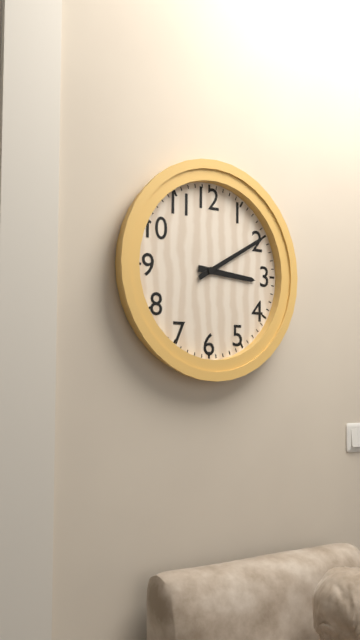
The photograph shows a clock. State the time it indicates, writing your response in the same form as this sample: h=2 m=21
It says h=3 m=10
